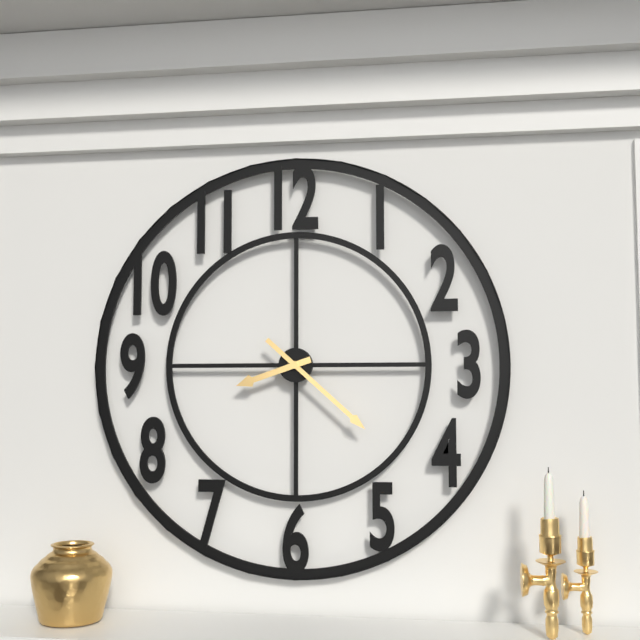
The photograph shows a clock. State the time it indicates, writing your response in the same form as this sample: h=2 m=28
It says h=8 m=22
